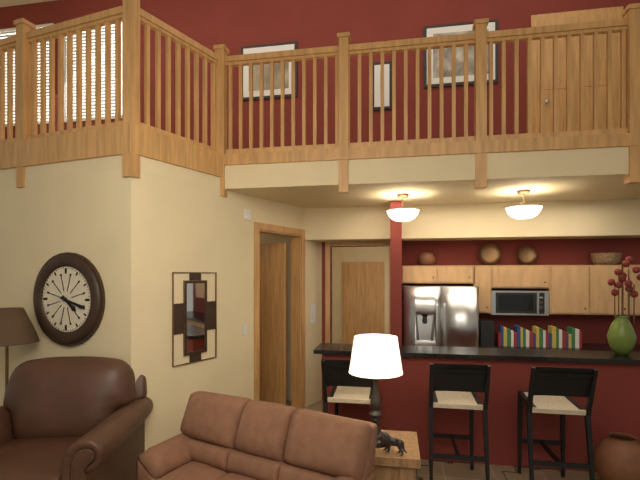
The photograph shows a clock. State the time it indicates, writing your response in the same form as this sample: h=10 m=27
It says h=4 m=18
